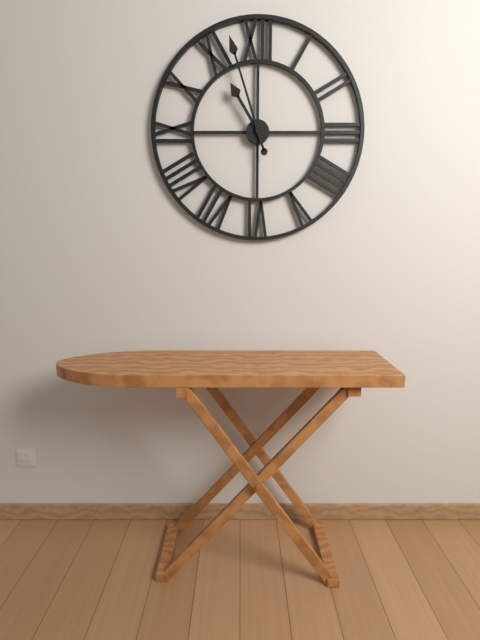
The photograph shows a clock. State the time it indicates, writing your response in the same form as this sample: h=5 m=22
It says h=10 m=57
